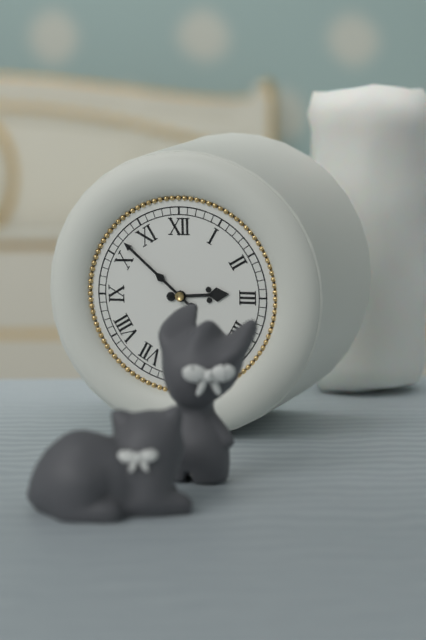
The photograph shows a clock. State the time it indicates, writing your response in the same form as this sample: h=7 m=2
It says h=2 m=52
